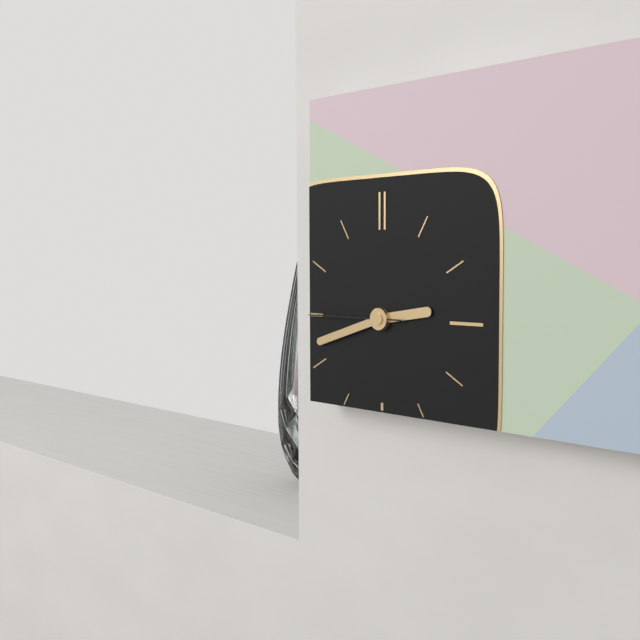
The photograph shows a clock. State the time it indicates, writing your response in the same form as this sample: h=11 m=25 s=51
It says h=2 m=42 s=45
